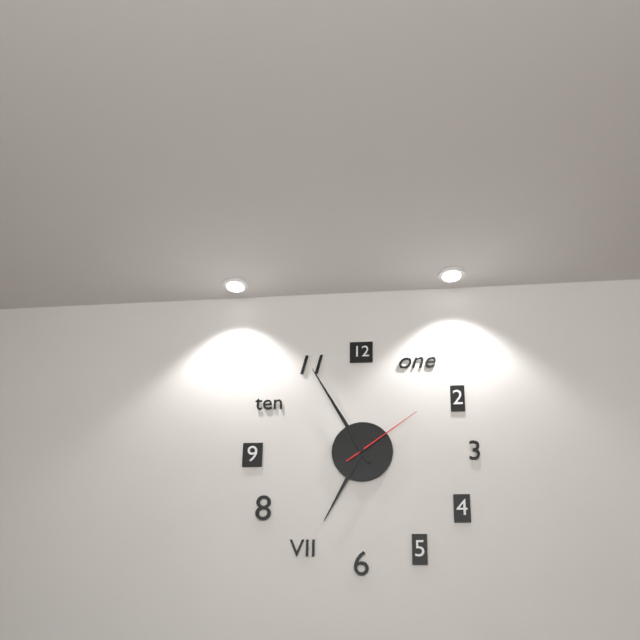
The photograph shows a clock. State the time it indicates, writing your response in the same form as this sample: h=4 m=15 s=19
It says h=6 m=55 s=9
